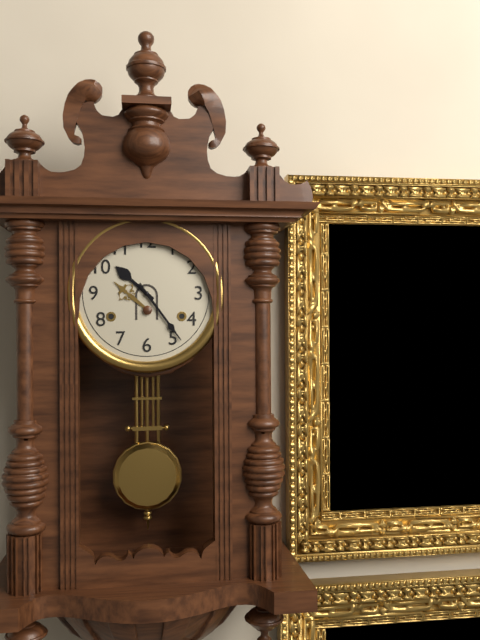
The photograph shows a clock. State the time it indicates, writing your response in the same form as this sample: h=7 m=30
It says h=10 m=24
